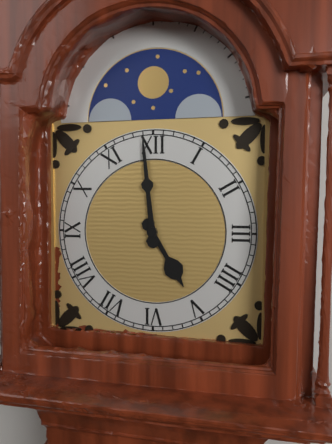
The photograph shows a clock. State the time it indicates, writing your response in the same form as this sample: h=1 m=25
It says h=4 m=59
